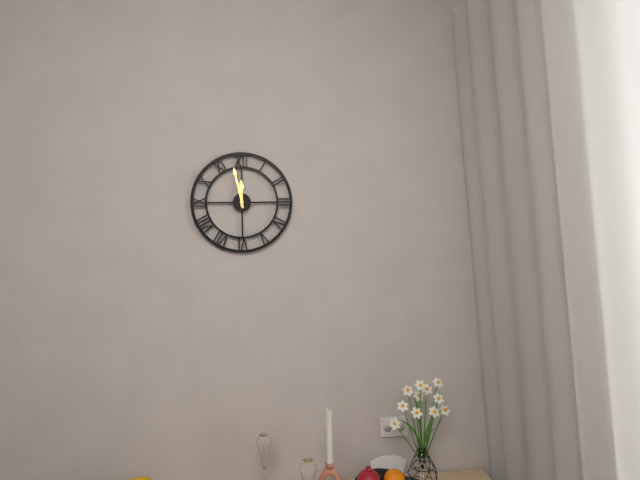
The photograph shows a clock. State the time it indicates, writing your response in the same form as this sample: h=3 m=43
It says h=11 m=58
